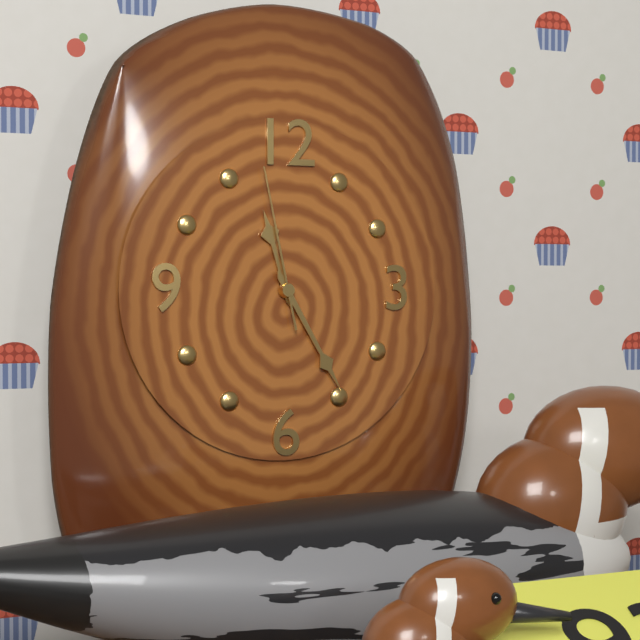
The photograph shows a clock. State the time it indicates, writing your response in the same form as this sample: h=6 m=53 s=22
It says h=11 m=25 s=58
